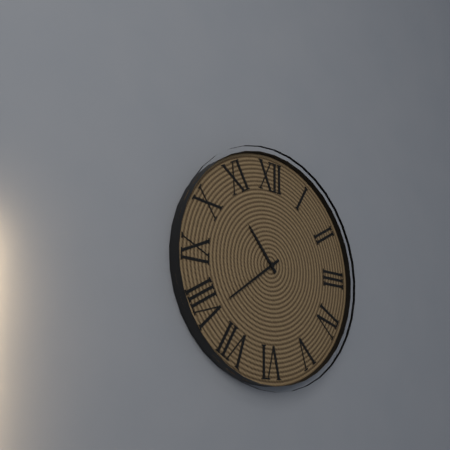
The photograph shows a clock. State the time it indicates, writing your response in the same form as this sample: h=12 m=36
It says h=10 m=39
